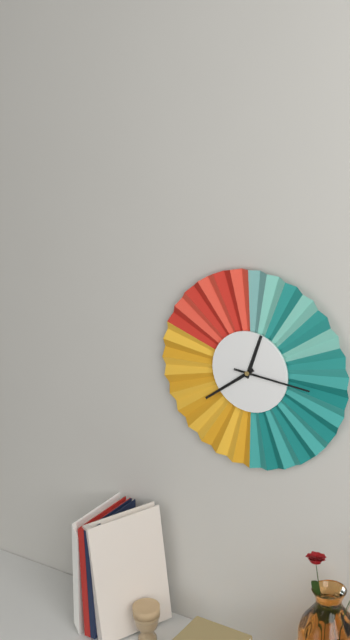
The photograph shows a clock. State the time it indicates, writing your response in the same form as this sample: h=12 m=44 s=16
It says h=12 m=39 s=16
